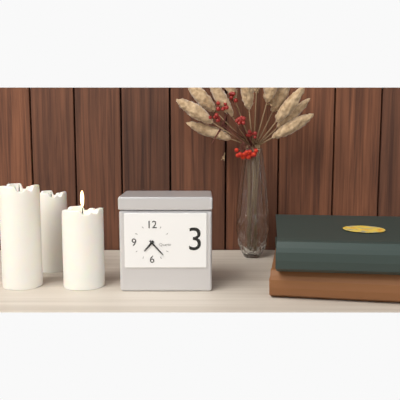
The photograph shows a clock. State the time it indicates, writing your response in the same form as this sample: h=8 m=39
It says h=7 m=23
